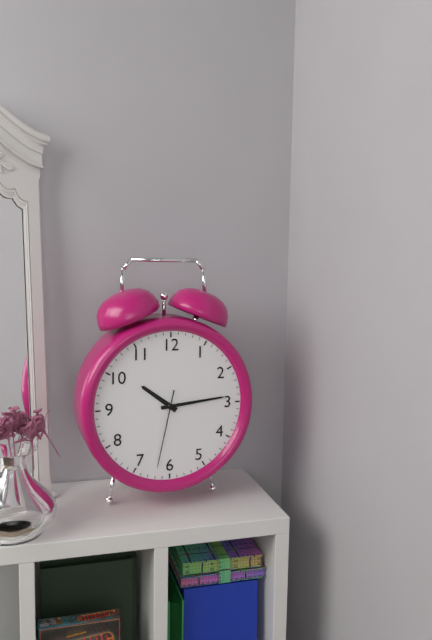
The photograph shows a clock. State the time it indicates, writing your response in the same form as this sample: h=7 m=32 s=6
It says h=10 m=14 s=32
